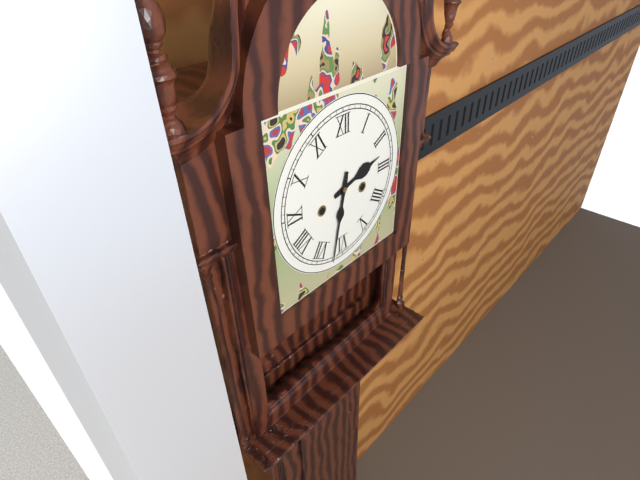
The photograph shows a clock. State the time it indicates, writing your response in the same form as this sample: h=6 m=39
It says h=2 m=32
